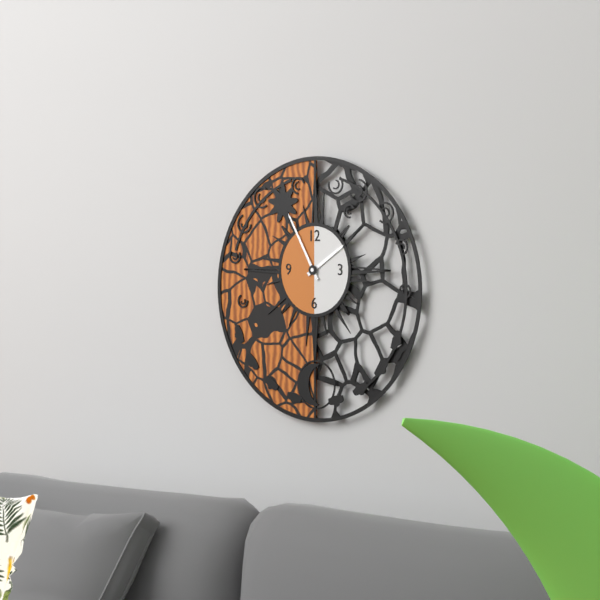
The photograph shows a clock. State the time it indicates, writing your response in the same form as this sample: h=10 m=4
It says h=1 m=55
